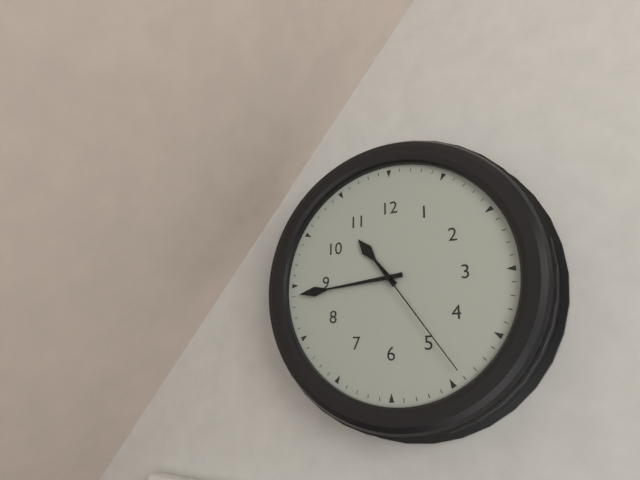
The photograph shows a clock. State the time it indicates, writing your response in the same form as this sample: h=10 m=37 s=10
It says h=10 m=44 s=24
